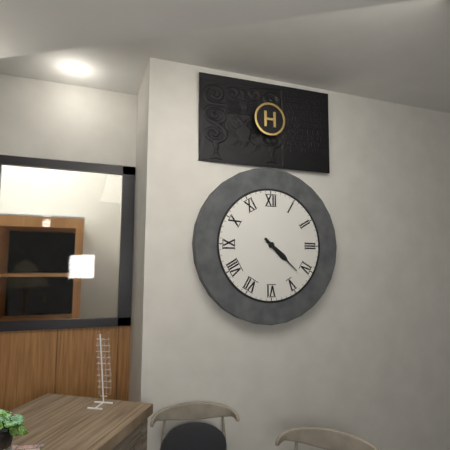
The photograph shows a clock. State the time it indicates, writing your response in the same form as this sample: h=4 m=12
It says h=4 m=22
